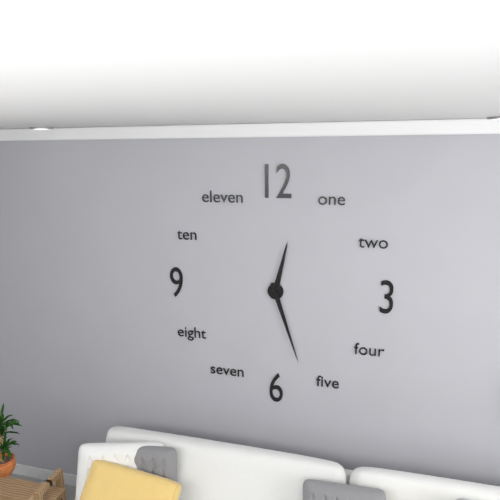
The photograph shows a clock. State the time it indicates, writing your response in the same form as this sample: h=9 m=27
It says h=12 m=27
